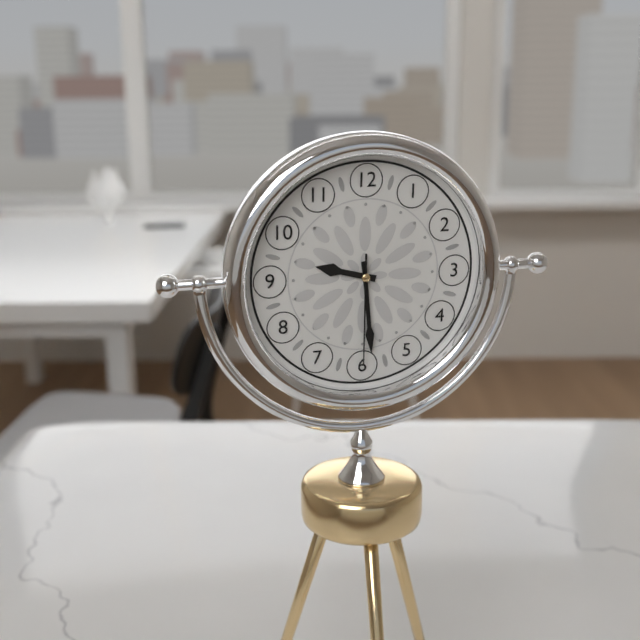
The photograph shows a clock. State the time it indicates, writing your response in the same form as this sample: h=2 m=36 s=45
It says h=9 m=29 s=30
